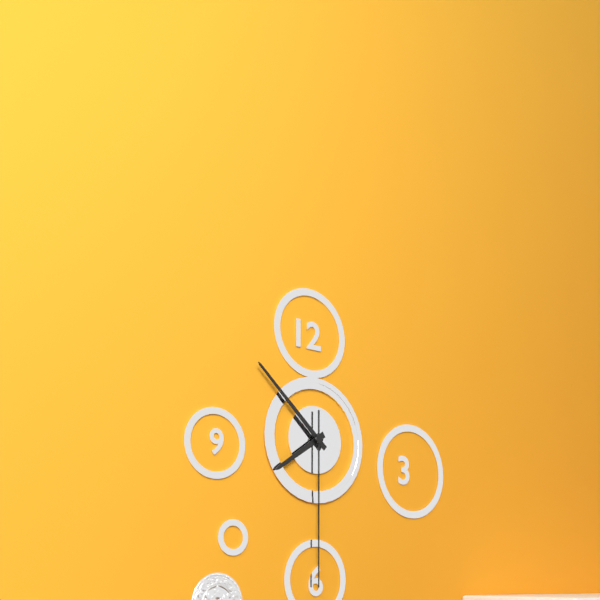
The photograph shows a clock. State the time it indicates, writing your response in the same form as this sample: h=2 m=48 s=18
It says h=7 m=52 s=30
